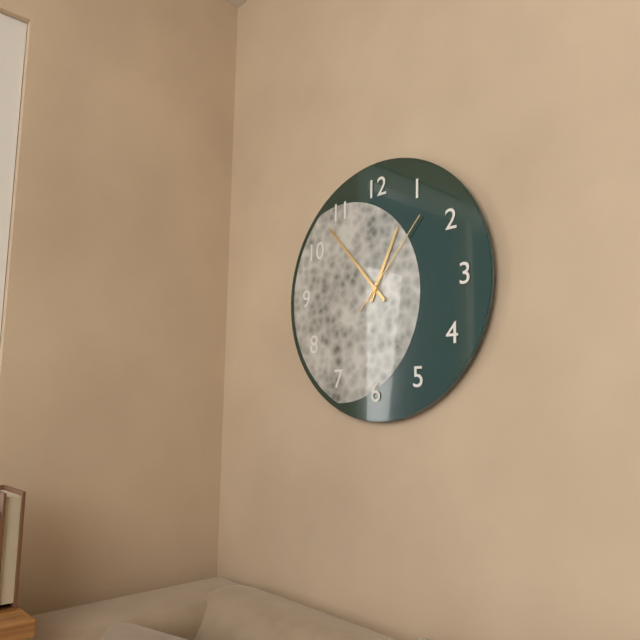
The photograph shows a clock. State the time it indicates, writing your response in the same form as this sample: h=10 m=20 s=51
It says h=12 m=53 s=7
